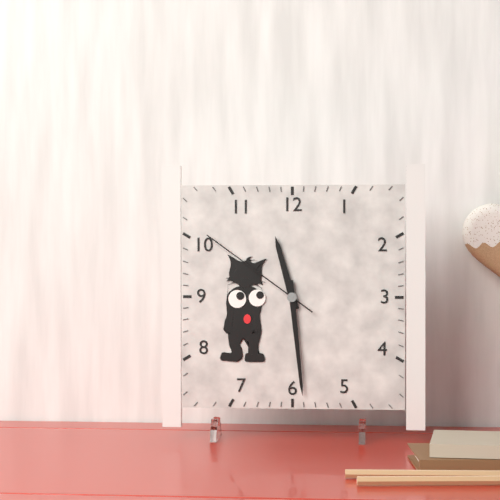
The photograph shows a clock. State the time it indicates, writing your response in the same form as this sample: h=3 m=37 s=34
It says h=11 m=29 s=51
